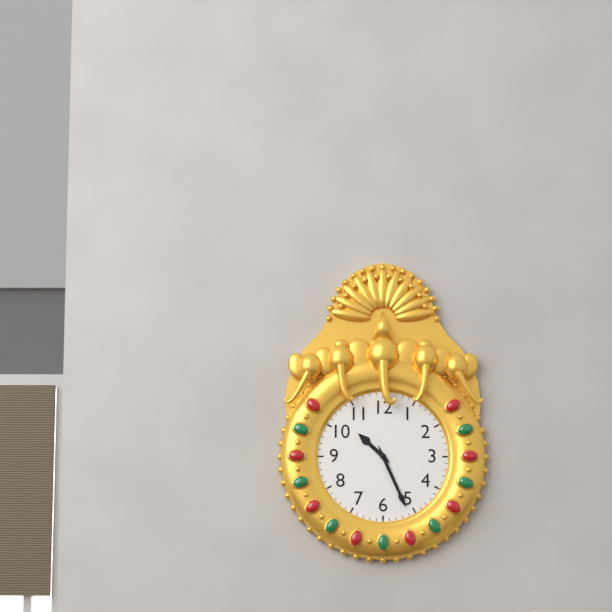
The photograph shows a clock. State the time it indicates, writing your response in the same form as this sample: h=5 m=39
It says h=10 m=26
